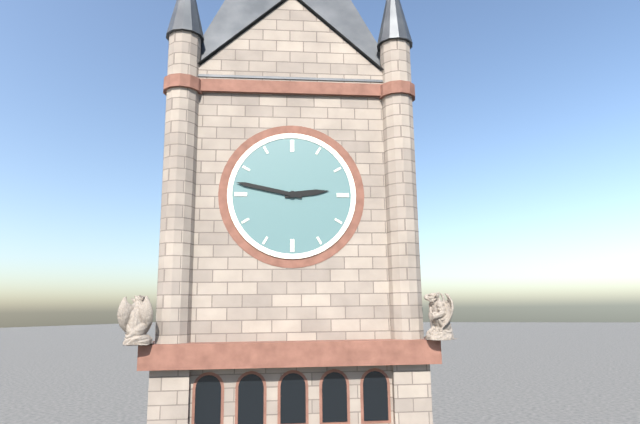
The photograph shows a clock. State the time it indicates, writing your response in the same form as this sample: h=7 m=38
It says h=2 m=47
